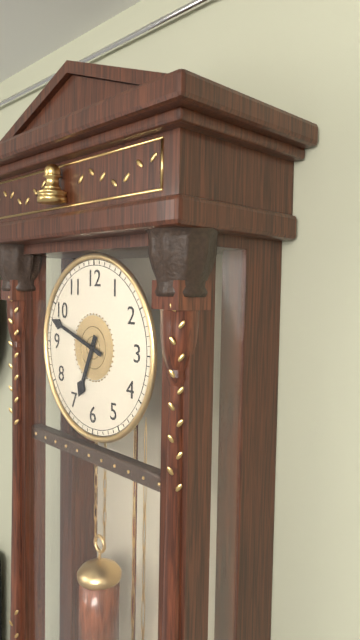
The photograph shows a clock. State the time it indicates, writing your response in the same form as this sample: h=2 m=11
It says h=6 m=48
